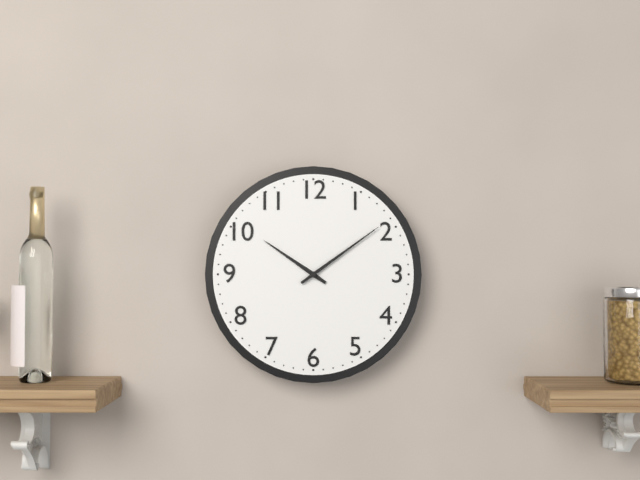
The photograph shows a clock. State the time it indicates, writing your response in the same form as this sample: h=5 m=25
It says h=10 m=9
